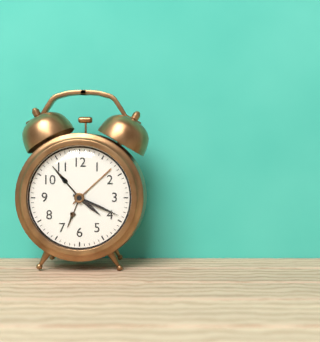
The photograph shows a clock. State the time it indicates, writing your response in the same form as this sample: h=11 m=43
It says h=4 m=19
